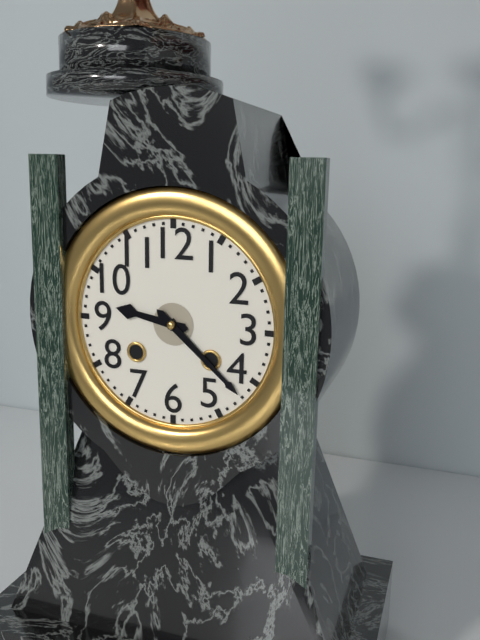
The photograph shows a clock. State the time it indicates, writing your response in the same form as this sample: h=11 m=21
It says h=9 m=22
